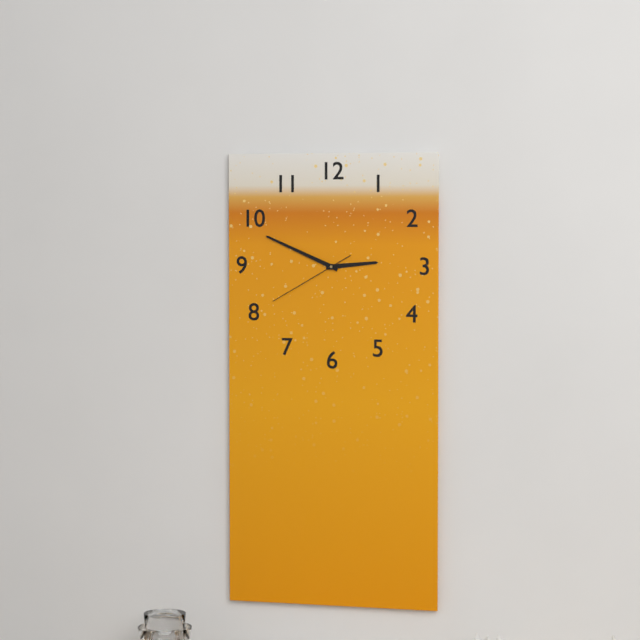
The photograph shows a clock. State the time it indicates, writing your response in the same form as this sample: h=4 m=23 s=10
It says h=2 m=49 s=40
